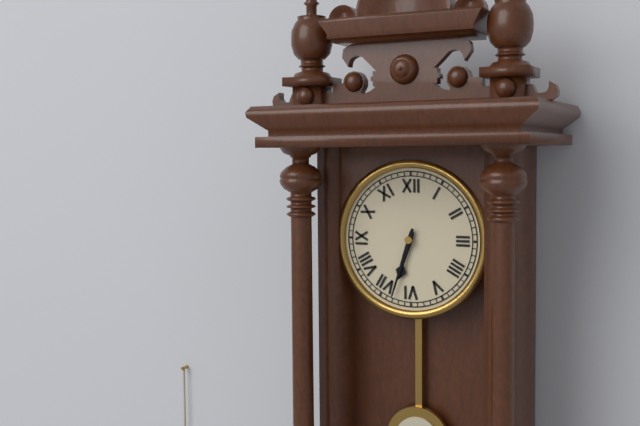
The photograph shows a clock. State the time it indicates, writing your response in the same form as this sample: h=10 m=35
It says h=6 m=33
